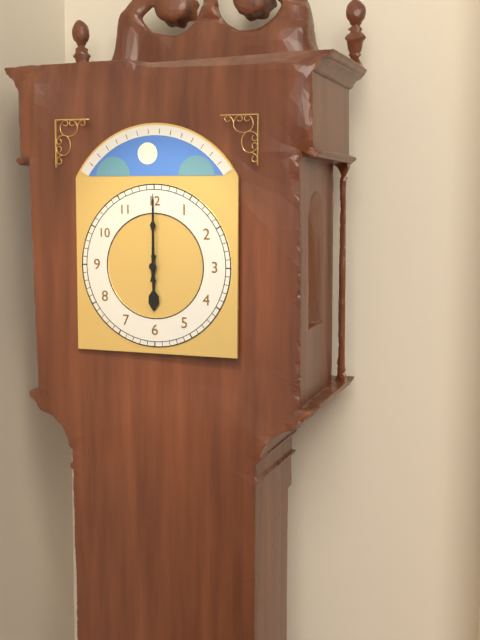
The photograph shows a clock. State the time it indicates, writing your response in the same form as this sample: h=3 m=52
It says h=6 m=0
